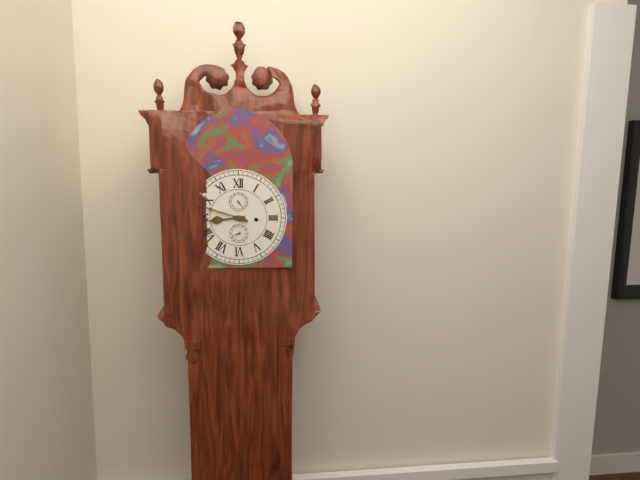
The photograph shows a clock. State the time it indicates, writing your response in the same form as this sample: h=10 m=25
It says h=8 m=48
